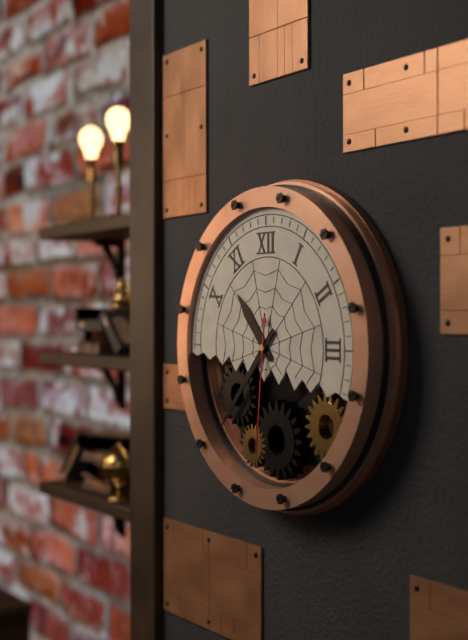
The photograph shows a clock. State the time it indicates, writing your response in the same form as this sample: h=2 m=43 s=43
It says h=10 m=37 s=31
